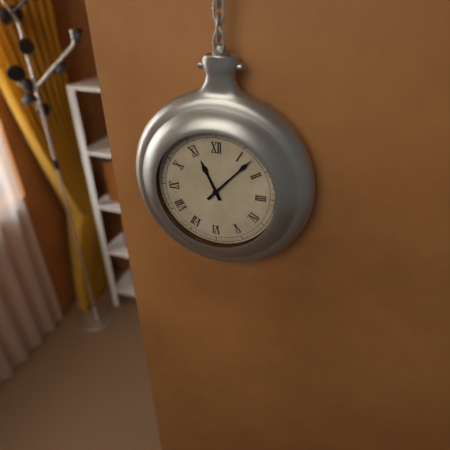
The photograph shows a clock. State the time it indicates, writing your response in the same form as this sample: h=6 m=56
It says h=11 m=7
